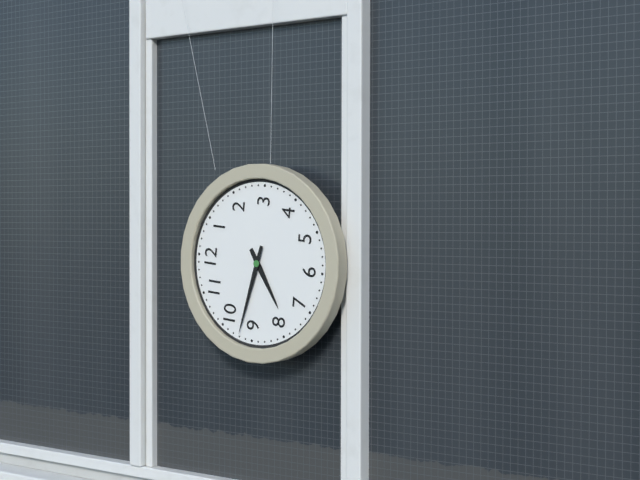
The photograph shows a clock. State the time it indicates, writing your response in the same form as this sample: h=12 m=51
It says h=7 m=47
